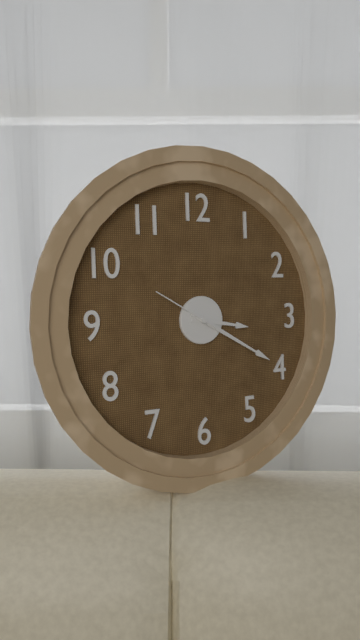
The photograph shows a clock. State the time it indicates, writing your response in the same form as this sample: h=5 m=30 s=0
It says h=3 m=20 s=50
